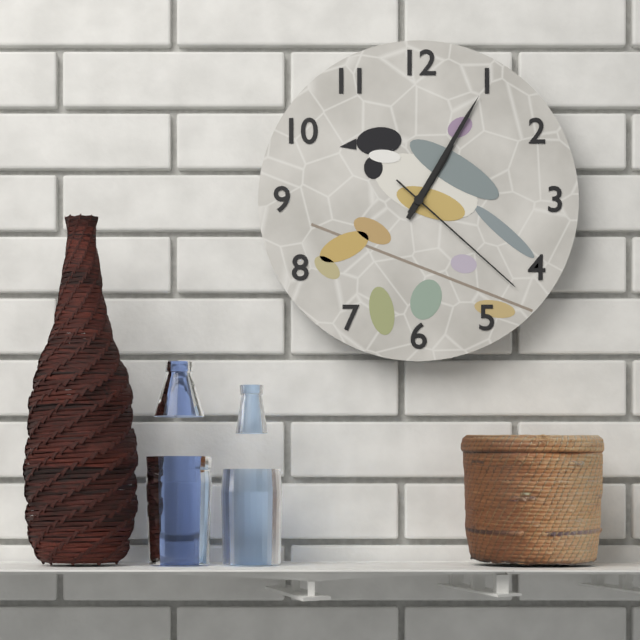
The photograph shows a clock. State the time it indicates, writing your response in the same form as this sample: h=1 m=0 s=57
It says h=1 m=5 s=22
